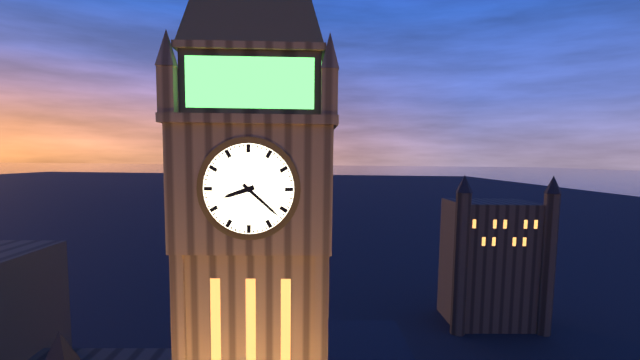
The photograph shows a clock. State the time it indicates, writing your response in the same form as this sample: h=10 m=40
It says h=8 m=22
